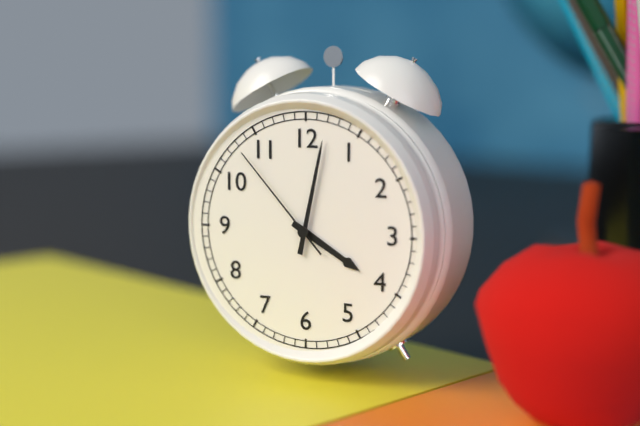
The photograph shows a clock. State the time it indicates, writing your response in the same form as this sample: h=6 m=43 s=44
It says h=4 m=2 s=53
